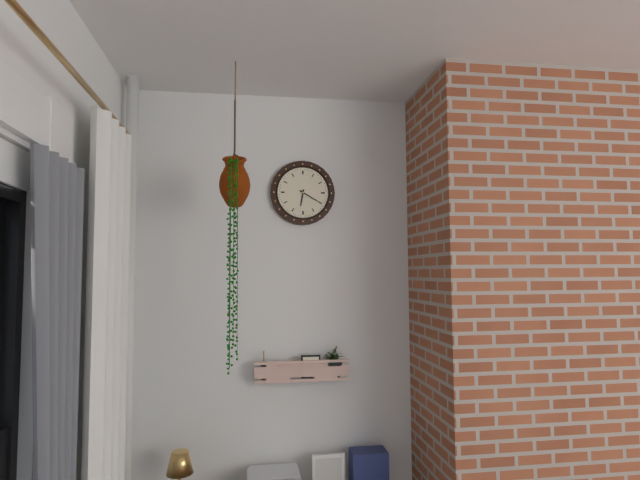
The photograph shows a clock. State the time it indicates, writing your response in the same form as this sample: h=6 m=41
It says h=6 m=20
